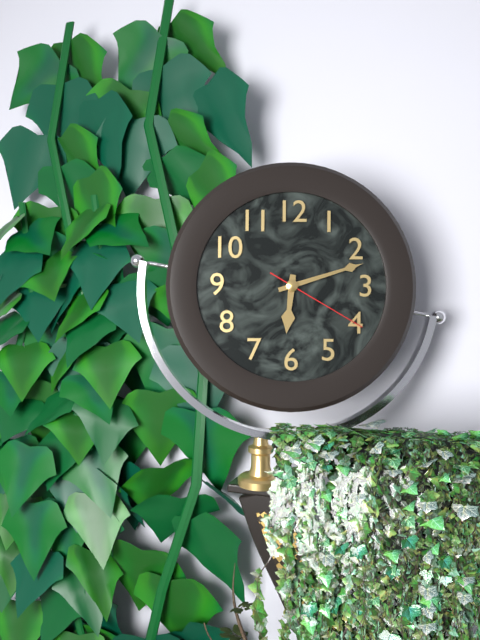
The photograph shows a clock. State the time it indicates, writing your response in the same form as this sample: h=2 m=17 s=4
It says h=6 m=12 s=20
